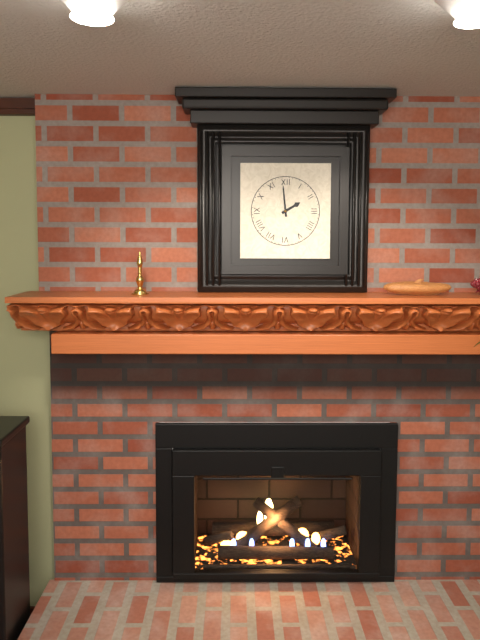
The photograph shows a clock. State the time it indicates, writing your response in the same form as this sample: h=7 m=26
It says h=1 m=59
